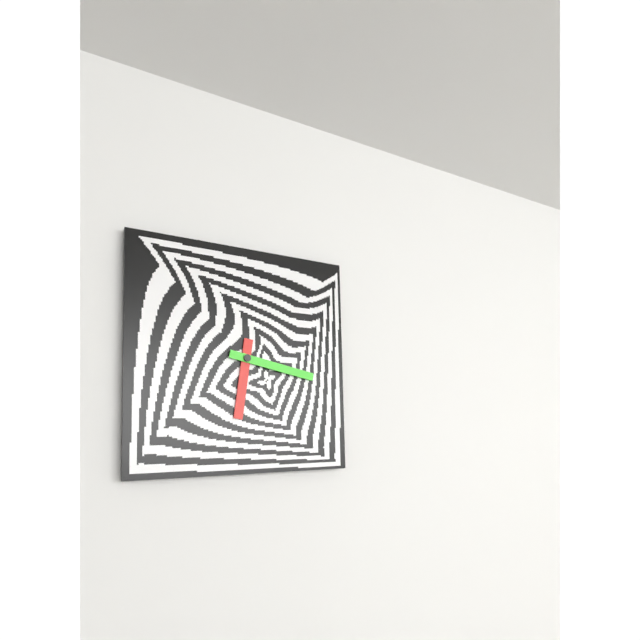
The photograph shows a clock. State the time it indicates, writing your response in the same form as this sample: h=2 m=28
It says h=6 m=17
